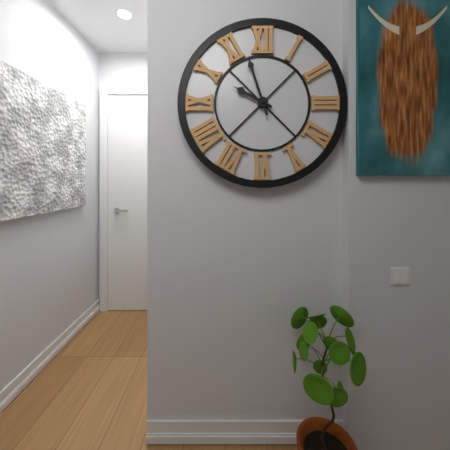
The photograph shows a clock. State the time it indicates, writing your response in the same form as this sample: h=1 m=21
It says h=9 m=57
